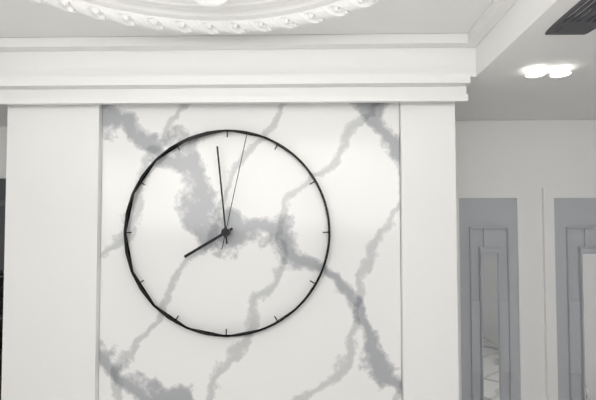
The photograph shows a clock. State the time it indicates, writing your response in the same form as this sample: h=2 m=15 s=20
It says h=7 m=59 s=2
